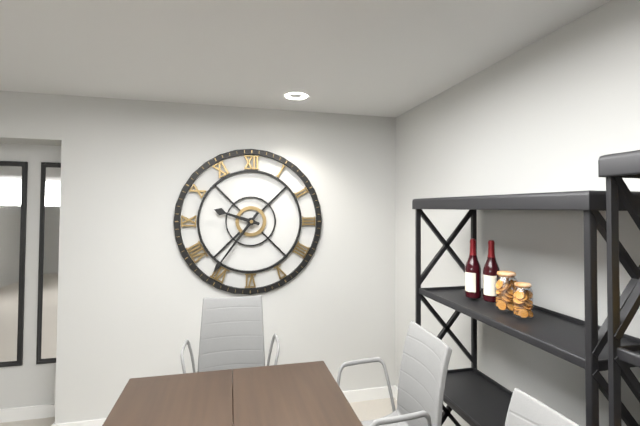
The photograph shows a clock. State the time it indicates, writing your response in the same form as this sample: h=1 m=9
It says h=9 m=36
